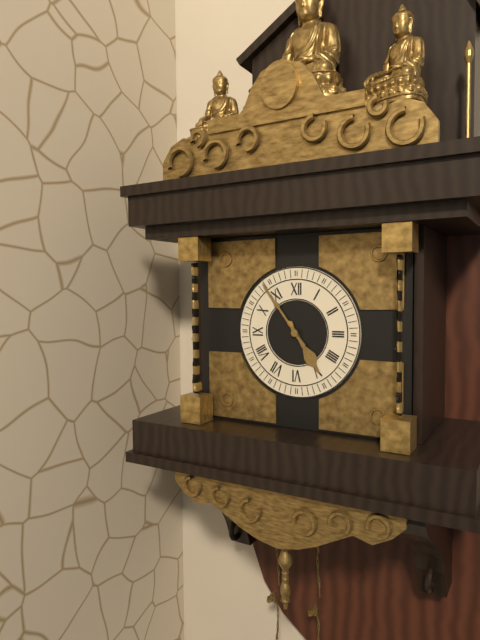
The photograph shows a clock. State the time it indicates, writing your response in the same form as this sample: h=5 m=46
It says h=4 m=54
